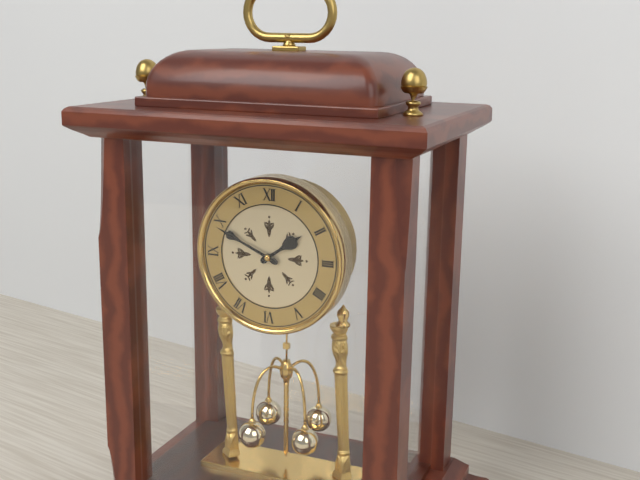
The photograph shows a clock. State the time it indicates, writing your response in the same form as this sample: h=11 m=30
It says h=1 m=49
